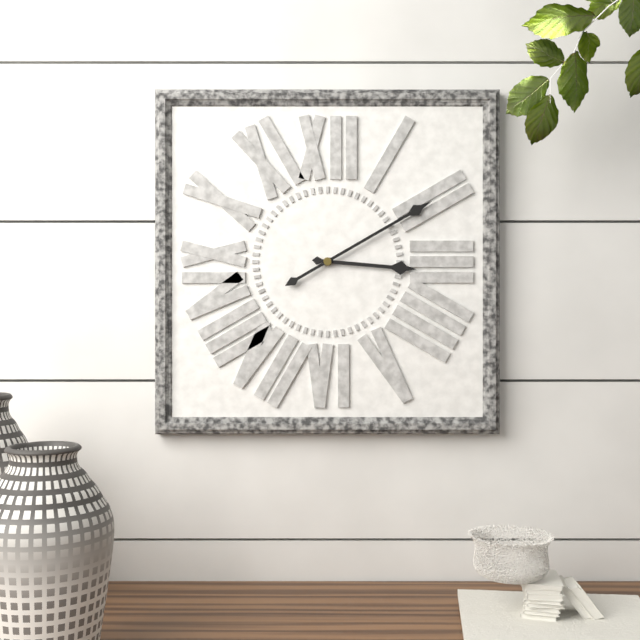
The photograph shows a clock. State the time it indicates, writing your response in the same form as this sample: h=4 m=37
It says h=3 m=10
